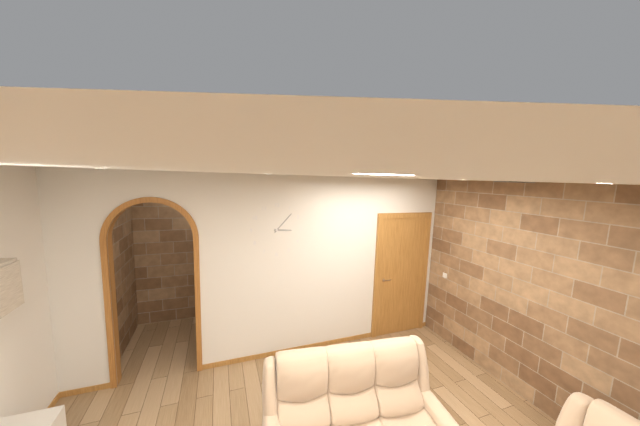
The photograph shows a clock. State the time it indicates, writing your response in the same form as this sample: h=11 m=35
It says h=3 m=7
